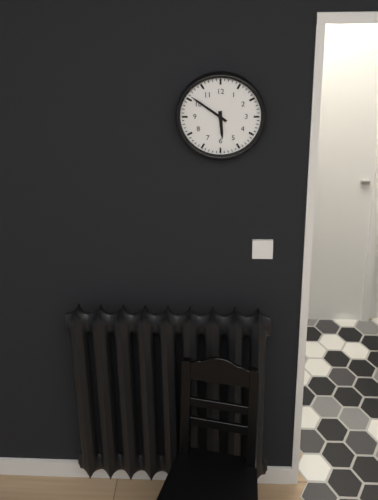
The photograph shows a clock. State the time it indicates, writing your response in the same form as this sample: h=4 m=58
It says h=5 m=51
